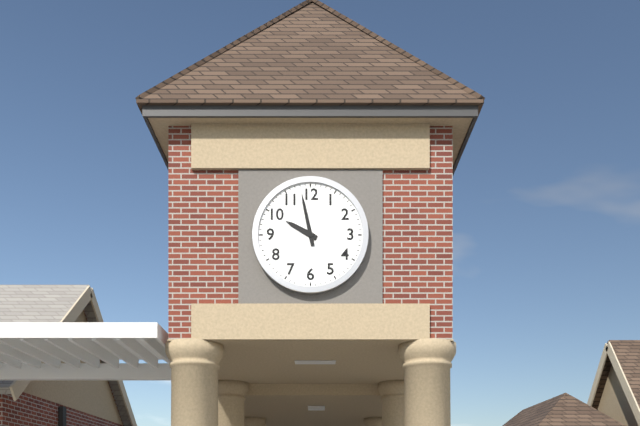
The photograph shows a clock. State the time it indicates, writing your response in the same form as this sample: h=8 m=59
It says h=9 m=58
